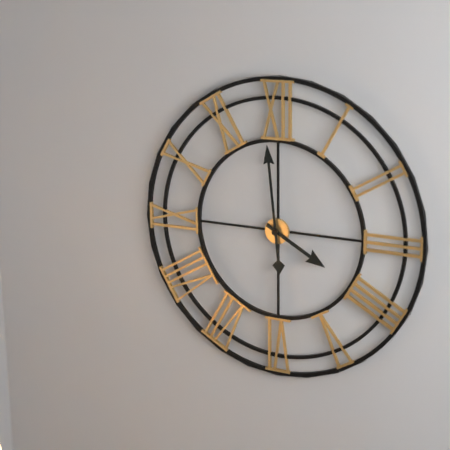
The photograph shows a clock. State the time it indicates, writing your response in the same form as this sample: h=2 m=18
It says h=3 m=59
